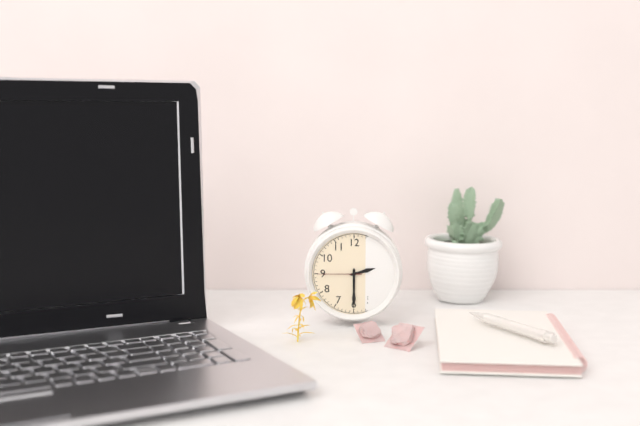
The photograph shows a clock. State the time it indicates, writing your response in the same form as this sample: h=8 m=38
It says h=2 m=30
